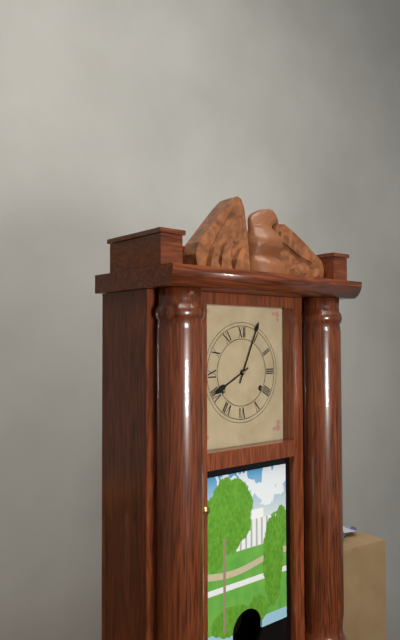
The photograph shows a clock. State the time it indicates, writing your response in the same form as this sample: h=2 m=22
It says h=8 m=4
